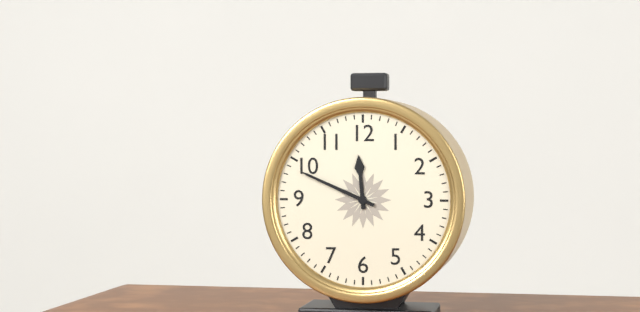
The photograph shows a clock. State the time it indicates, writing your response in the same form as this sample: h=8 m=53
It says h=11 m=49
